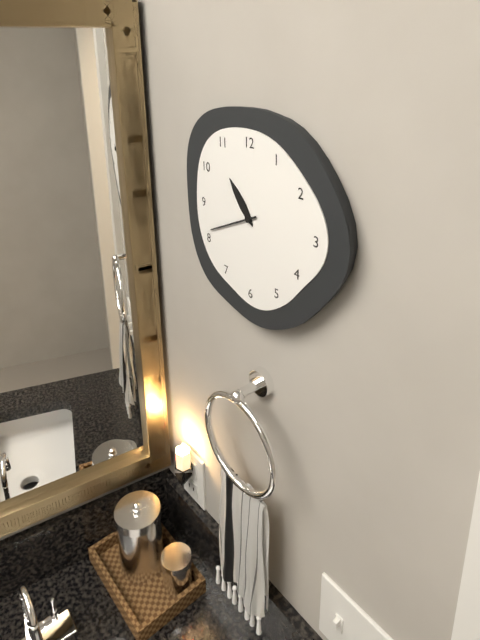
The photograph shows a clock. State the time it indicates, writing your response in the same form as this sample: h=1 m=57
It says h=10 m=41
